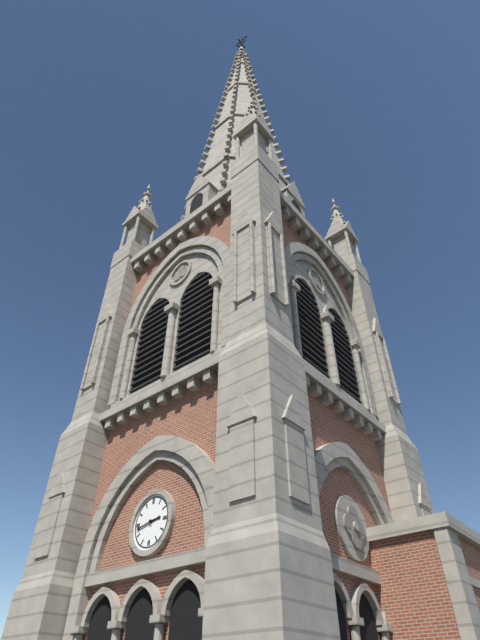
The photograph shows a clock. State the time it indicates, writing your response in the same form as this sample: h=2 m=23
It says h=2 m=43
